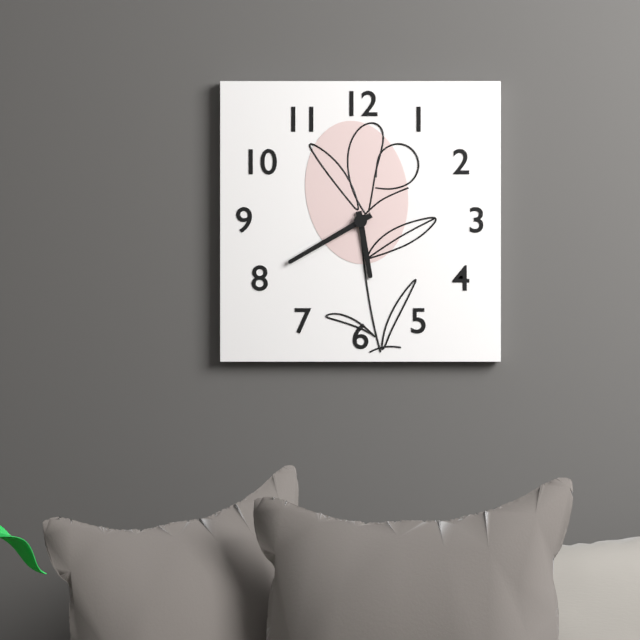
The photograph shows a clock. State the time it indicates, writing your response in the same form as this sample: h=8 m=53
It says h=5 m=40
